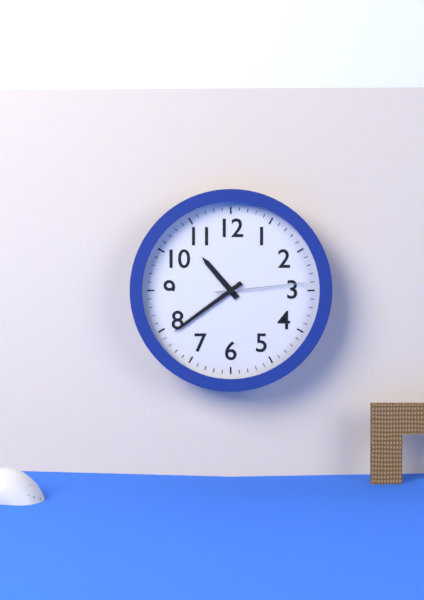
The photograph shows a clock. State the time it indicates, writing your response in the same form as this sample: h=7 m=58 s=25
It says h=10 m=39 s=14
